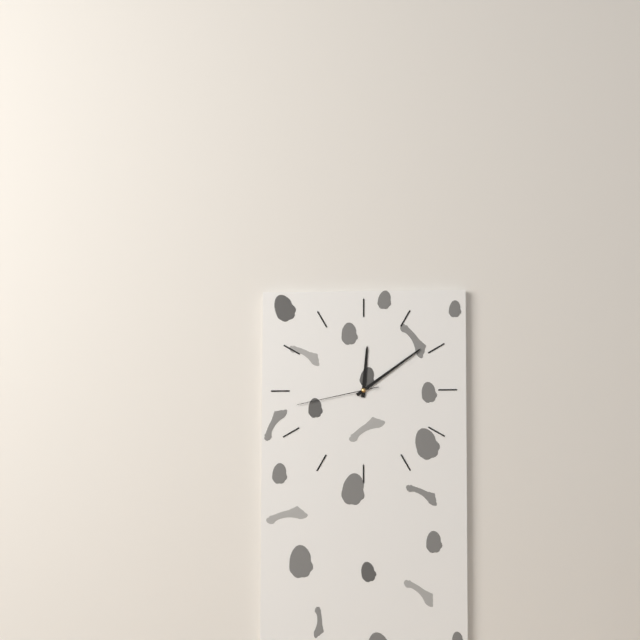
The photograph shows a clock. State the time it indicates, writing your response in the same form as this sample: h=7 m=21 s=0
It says h=12 m=9 s=43
